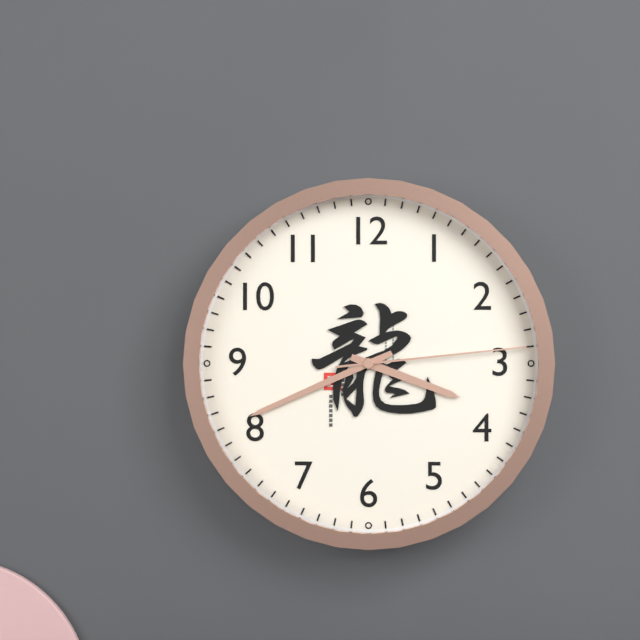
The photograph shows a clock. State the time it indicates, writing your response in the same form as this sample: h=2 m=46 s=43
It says h=3 m=41 s=14
